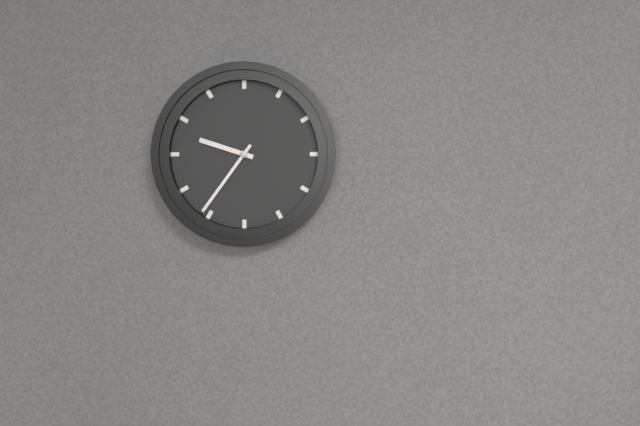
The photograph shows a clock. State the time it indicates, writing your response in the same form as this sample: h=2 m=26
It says h=9 m=36
